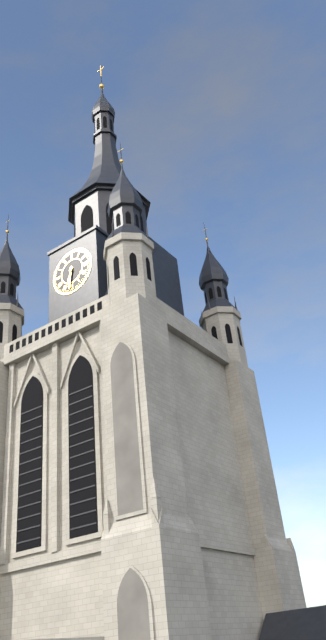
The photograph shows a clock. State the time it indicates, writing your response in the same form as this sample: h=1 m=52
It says h=6 m=31
